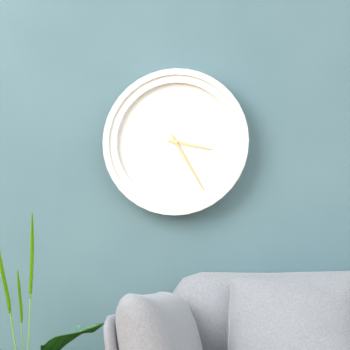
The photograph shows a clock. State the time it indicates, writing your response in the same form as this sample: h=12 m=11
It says h=3 m=25
